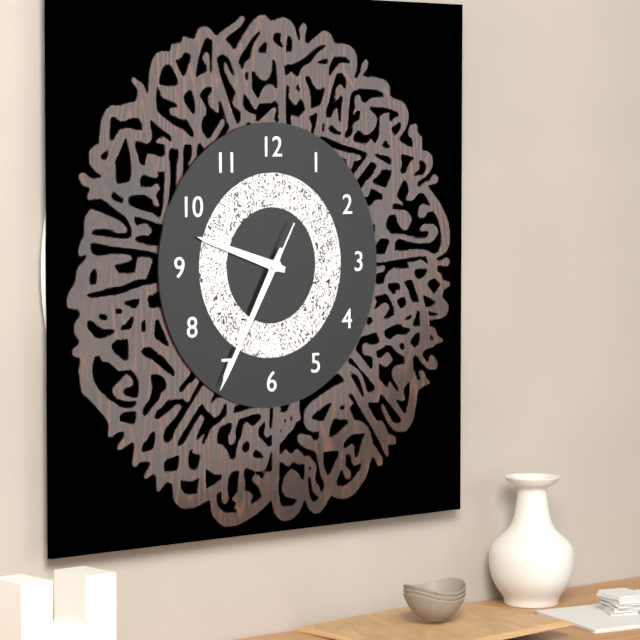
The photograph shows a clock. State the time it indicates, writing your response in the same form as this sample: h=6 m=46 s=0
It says h=9 m=35 s=35
